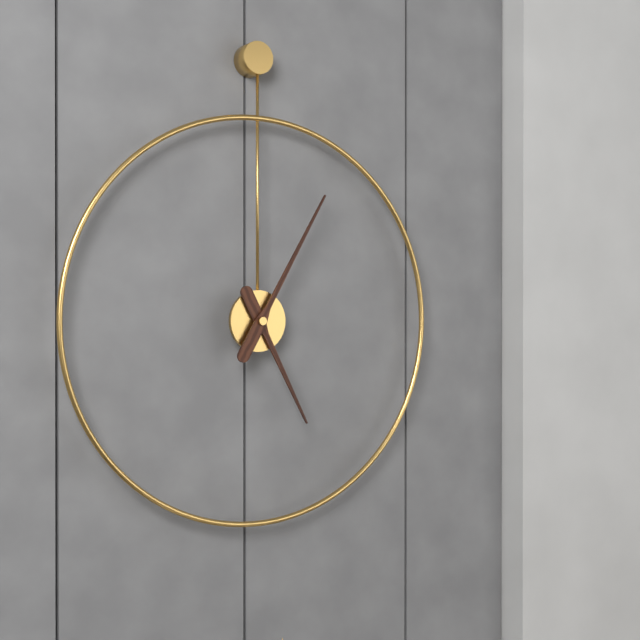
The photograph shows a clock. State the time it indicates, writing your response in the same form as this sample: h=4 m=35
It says h=5 m=5
